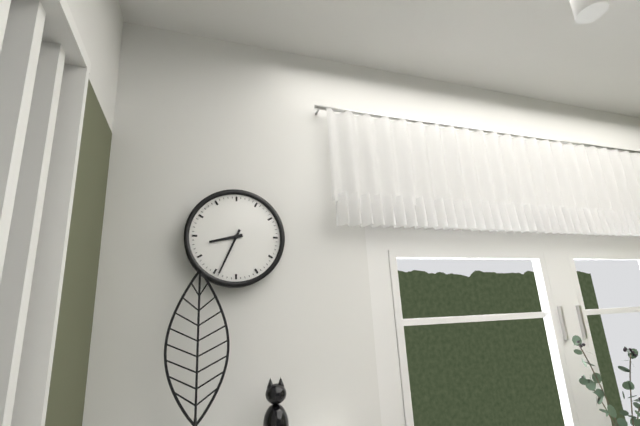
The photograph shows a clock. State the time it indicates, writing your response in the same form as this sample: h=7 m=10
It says h=8 m=34
